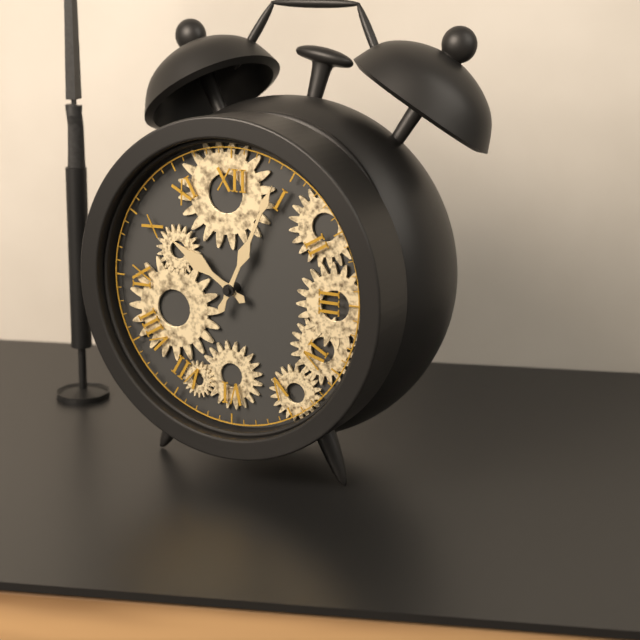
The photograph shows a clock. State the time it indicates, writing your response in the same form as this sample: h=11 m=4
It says h=10 m=4
